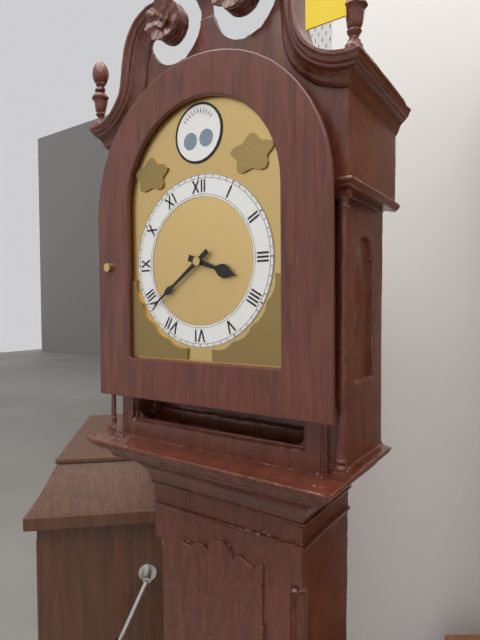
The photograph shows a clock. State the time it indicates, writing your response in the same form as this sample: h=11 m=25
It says h=3 m=39
